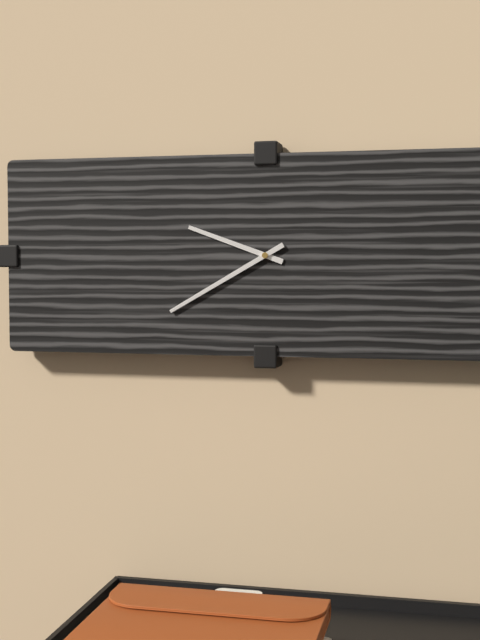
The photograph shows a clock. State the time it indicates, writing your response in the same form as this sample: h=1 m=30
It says h=9 m=40
